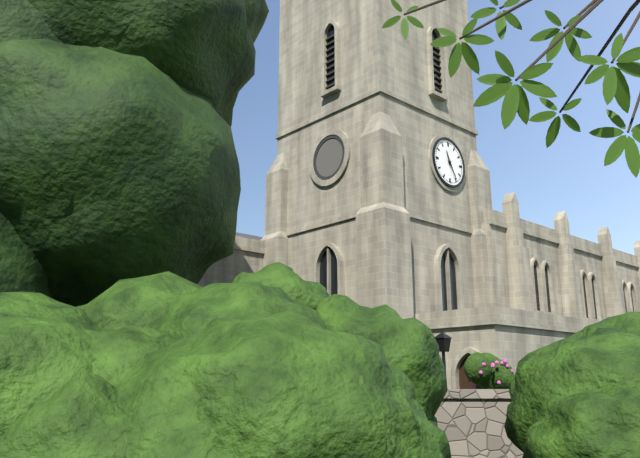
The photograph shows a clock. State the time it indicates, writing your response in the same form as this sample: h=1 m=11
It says h=11 m=25
